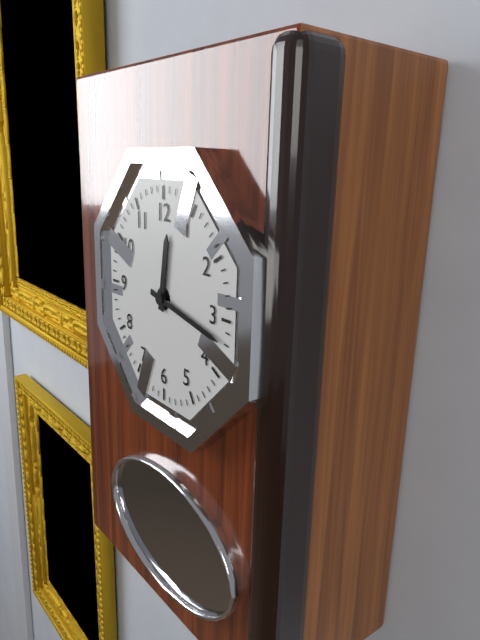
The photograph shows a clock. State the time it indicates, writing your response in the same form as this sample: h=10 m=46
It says h=12 m=17
